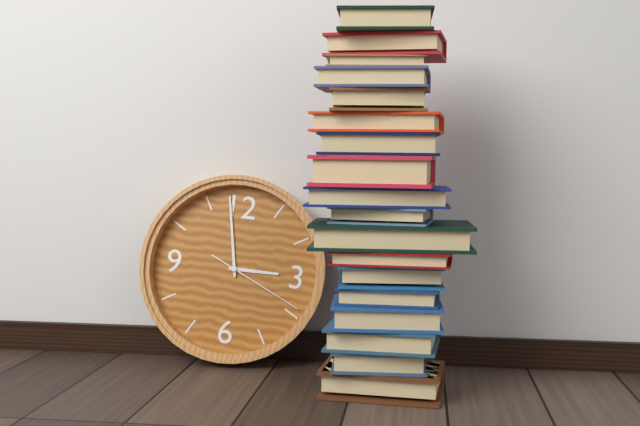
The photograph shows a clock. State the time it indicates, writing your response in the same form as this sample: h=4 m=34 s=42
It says h=2 m=58 s=19
